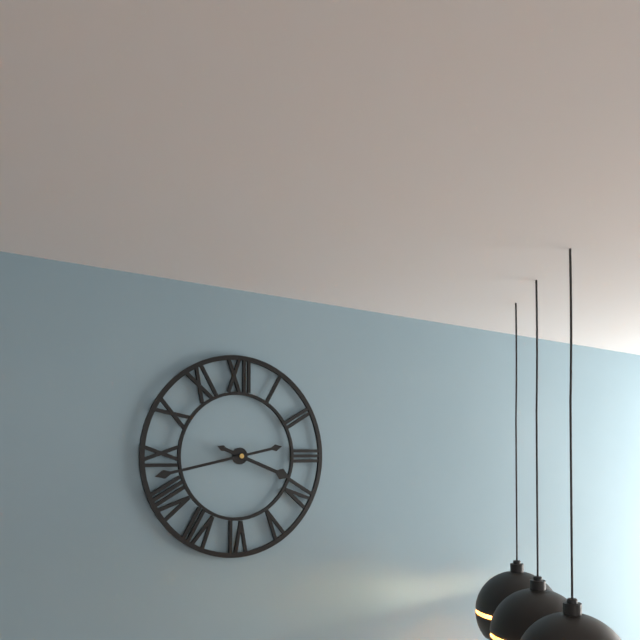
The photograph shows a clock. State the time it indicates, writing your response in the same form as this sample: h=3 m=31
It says h=3 m=43
